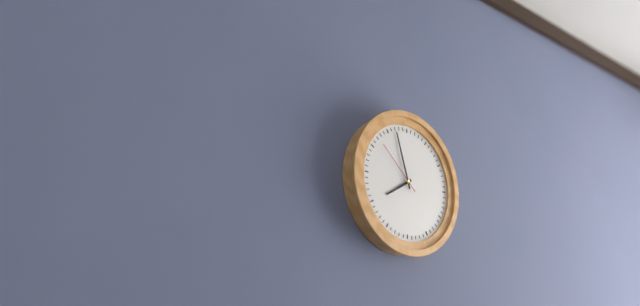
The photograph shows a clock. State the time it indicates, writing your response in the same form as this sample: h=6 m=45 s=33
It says h=7 m=57 s=52
